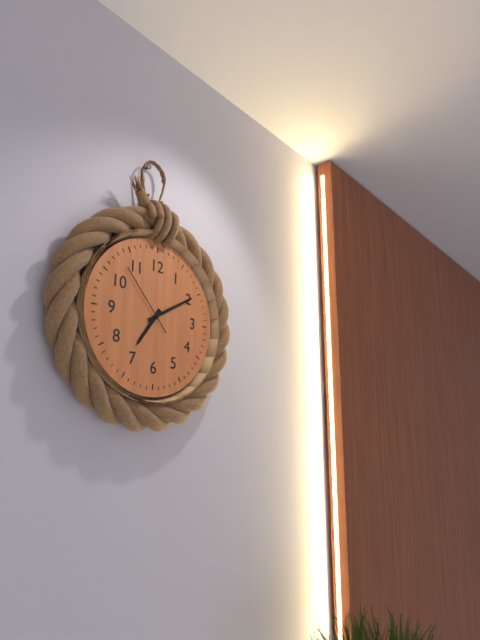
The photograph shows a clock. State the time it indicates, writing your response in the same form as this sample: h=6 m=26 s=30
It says h=7 m=10 s=53
